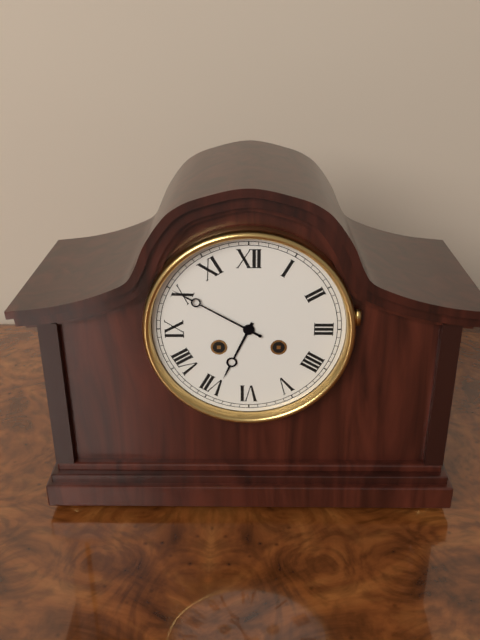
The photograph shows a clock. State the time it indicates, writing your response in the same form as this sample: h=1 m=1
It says h=6 m=50
